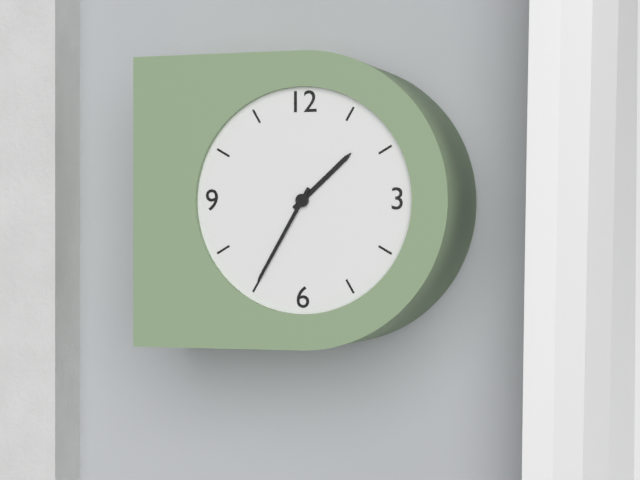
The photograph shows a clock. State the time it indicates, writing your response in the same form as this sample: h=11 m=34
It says h=1 m=35
